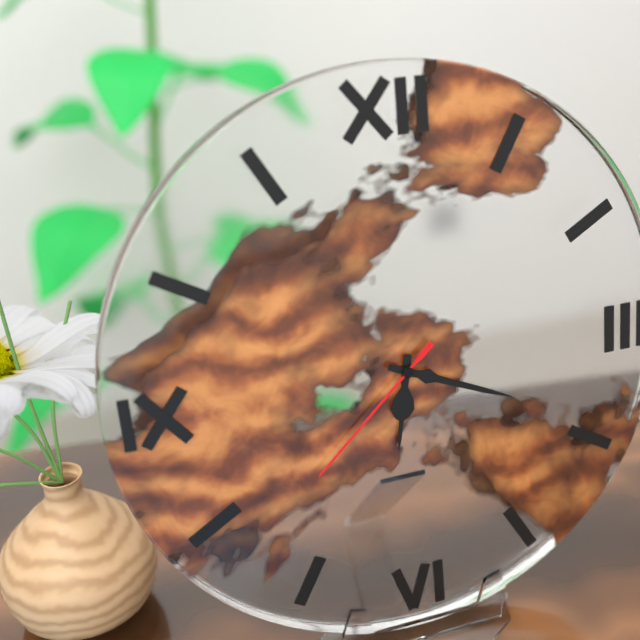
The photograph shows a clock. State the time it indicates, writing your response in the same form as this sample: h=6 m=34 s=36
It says h=6 m=19 s=38
